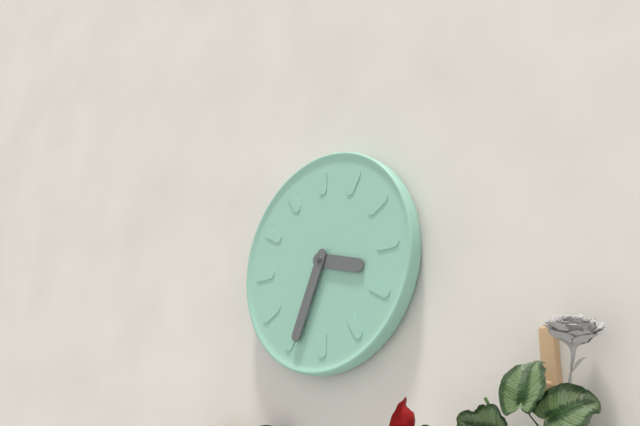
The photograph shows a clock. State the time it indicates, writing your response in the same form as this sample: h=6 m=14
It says h=3 m=34
